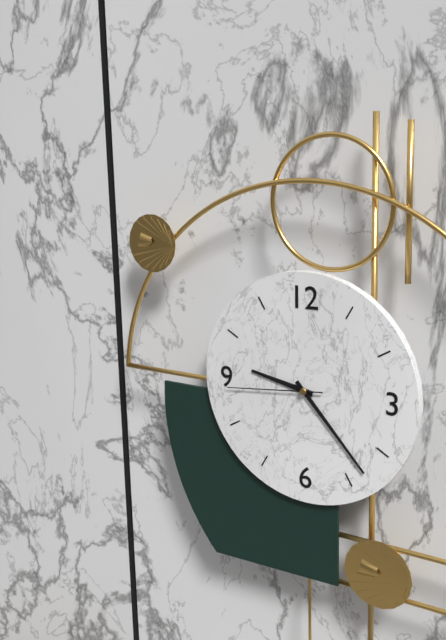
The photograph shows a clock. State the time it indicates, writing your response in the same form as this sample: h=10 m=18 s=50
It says h=9 m=23 s=44
